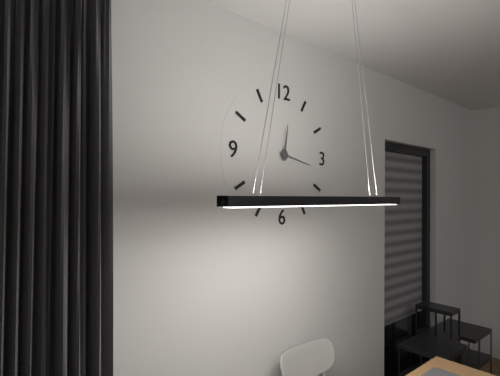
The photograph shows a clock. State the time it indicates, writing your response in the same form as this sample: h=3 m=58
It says h=12 m=17
